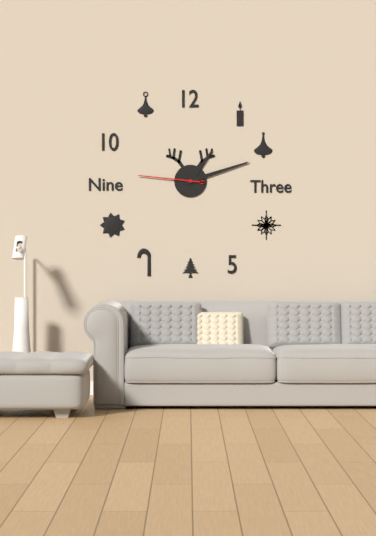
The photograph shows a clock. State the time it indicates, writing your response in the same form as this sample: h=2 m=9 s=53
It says h=1 m=12 s=46
